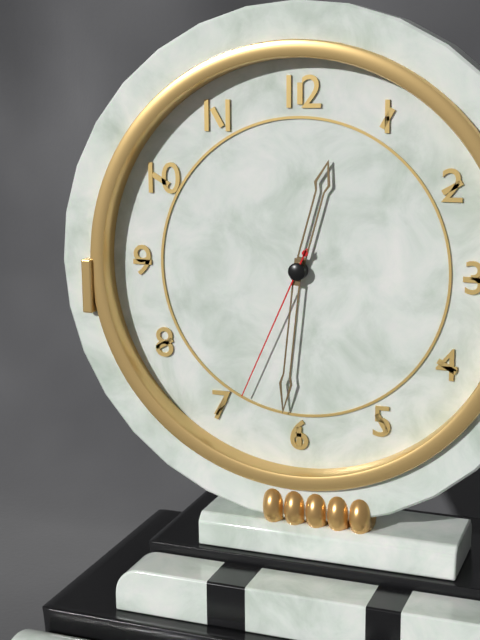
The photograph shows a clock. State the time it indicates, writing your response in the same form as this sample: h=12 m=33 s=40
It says h=12 m=31 s=34
